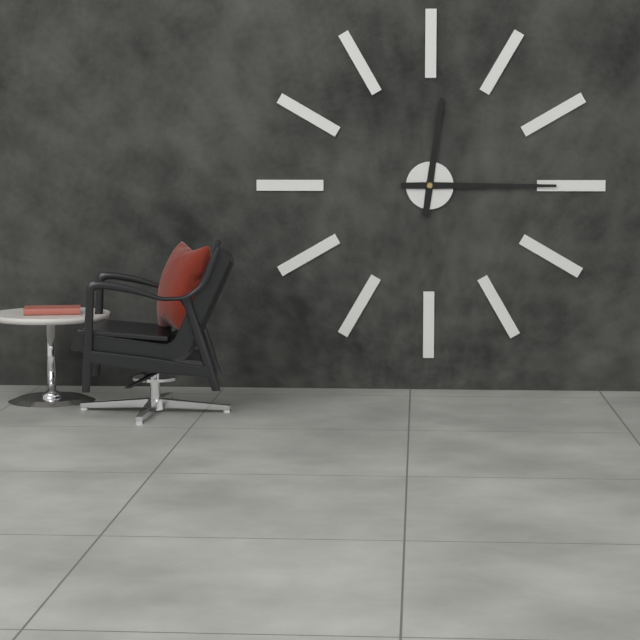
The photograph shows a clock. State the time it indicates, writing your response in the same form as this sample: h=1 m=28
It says h=12 m=15
